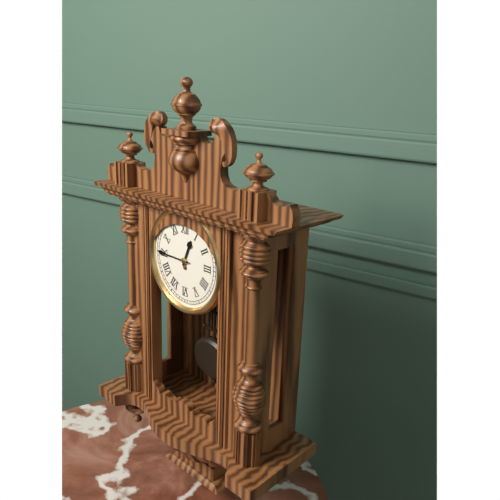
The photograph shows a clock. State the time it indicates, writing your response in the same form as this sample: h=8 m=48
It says h=12 m=45
